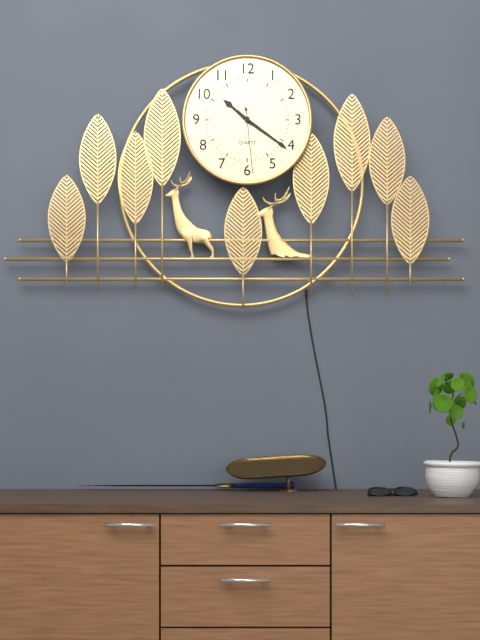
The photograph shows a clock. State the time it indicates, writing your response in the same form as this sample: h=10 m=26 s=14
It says h=10 m=21 s=29
